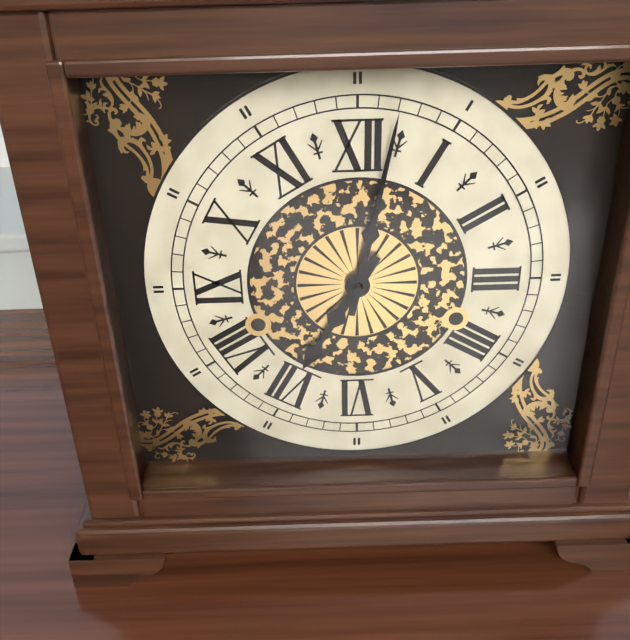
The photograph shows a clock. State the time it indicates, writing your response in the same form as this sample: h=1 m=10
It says h=7 m=2
